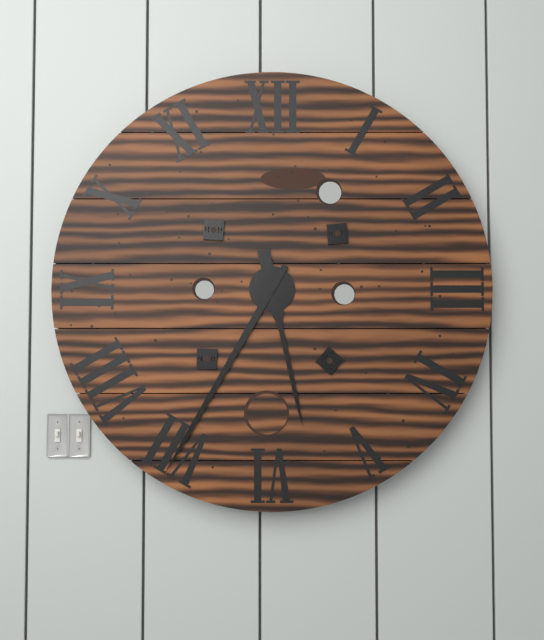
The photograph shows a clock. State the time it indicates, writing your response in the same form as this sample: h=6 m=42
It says h=5 m=35
